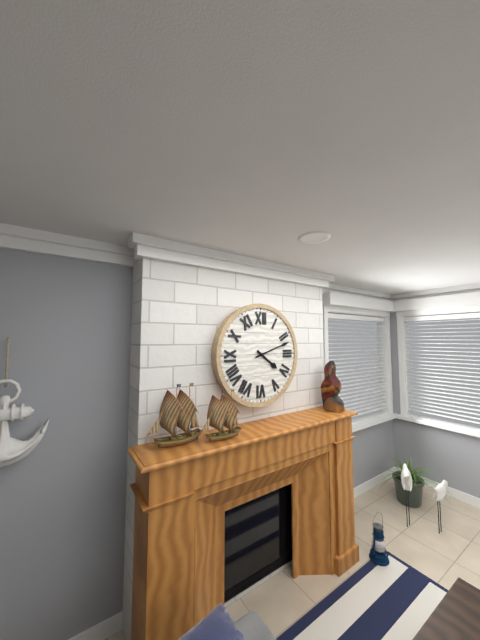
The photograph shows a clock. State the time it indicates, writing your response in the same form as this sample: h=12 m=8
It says h=4 m=12
